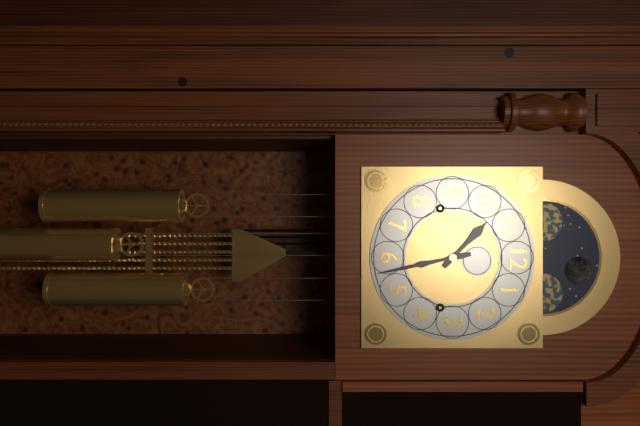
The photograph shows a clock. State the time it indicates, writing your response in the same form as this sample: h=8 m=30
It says h=10 m=28
